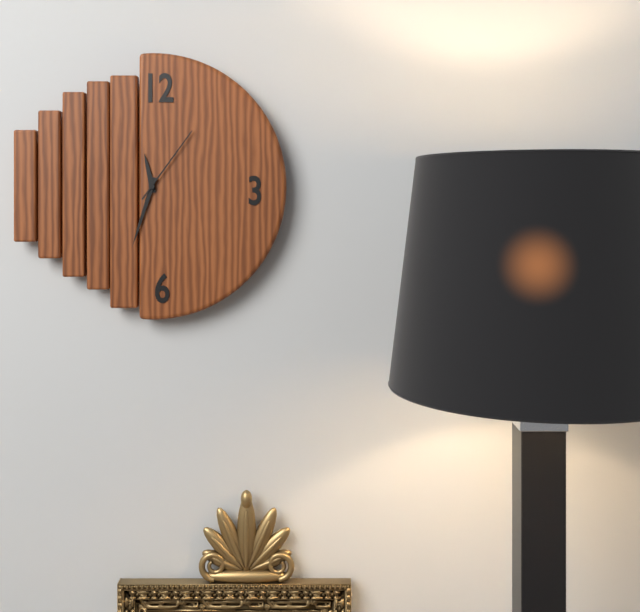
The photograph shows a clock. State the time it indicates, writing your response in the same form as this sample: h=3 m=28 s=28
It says h=11 m=33 s=6
